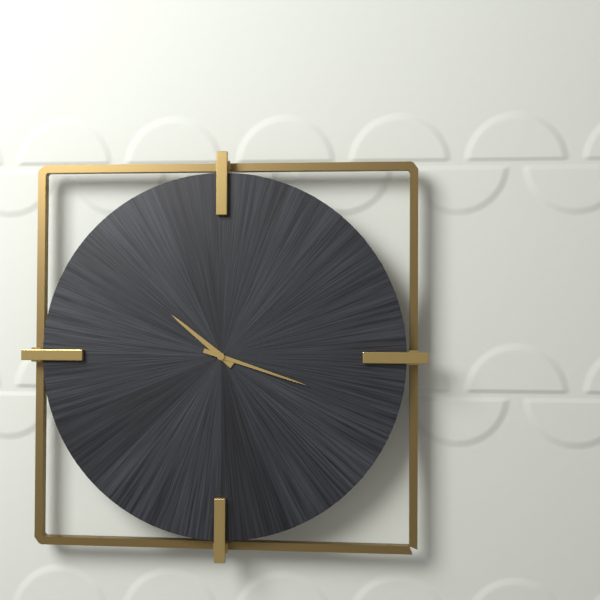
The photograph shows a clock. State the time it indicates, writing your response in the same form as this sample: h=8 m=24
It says h=10 m=18
